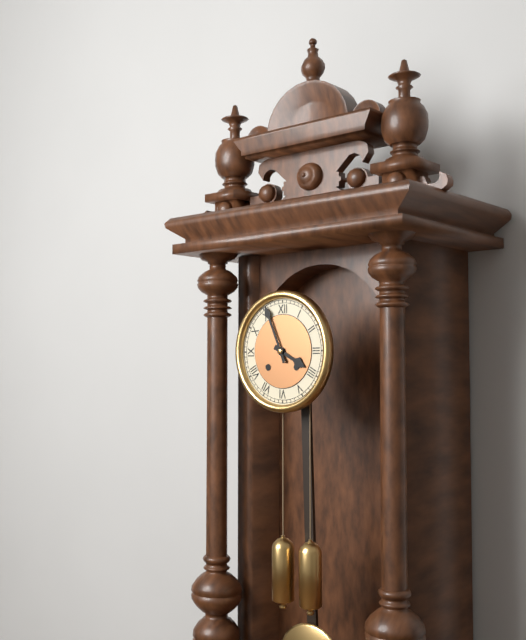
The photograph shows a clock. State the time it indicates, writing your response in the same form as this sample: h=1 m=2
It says h=3 m=56
